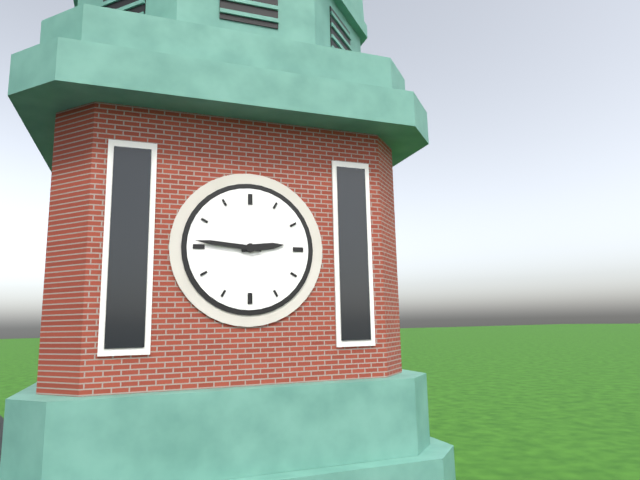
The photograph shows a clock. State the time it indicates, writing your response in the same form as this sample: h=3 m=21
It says h=2 m=46
